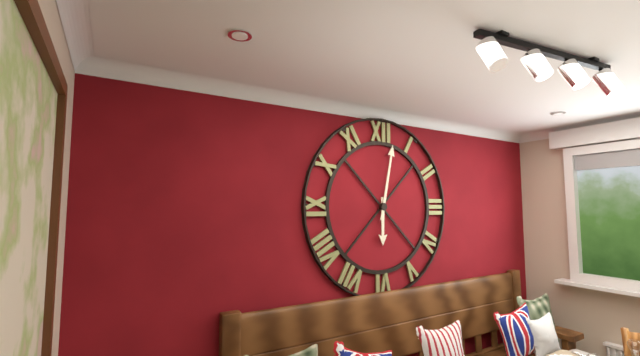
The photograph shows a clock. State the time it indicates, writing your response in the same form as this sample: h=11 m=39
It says h=6 m=2
